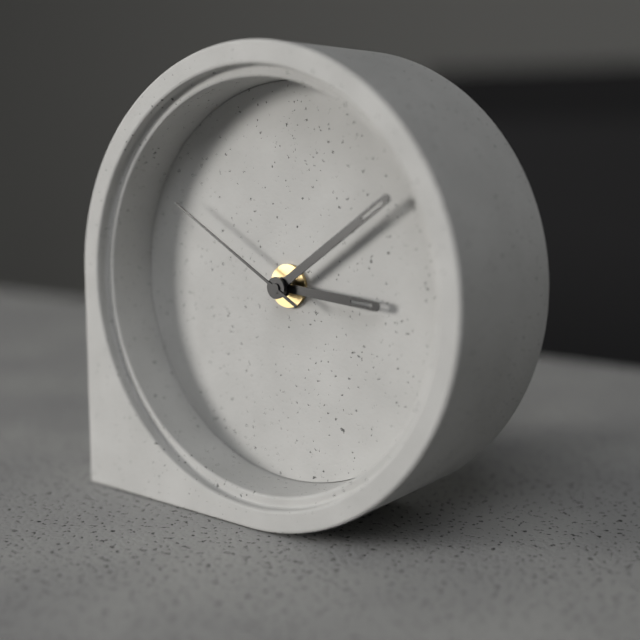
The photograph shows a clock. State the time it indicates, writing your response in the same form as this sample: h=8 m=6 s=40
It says h=3 m=9 s=50
